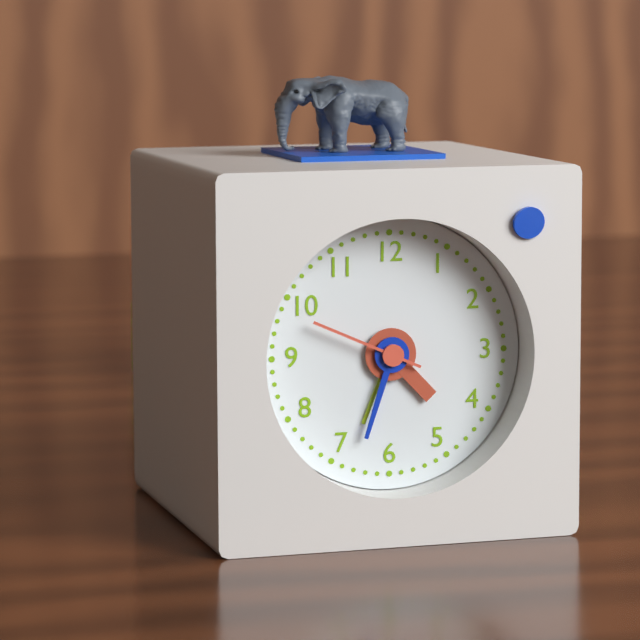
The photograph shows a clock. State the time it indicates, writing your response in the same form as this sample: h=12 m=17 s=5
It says h=4 m=33 s=49
